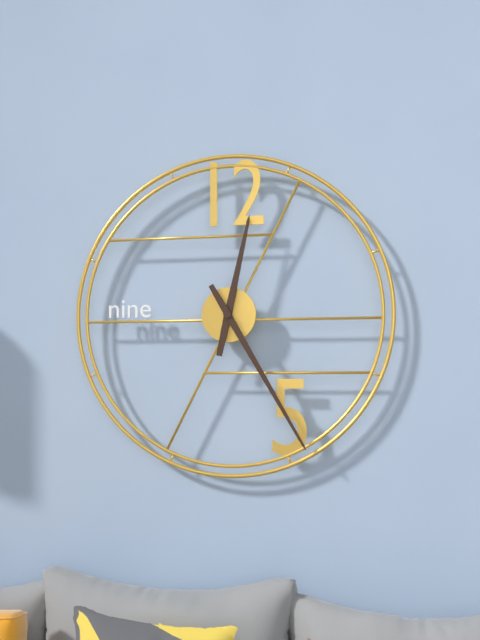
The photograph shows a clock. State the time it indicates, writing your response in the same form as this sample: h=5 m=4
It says h=12 m=25
